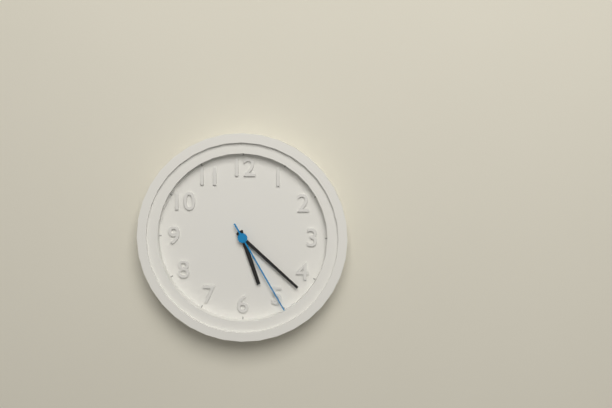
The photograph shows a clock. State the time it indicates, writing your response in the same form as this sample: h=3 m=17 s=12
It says h=5 m=22 s=25
